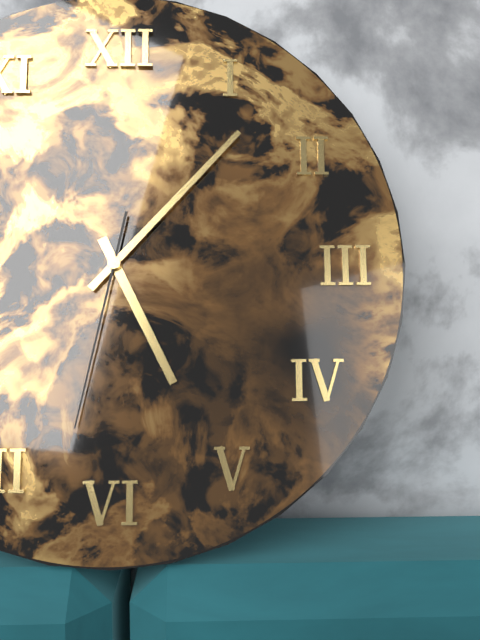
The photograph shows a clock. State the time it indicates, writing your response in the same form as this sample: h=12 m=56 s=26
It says h=5 m=7 s=32
